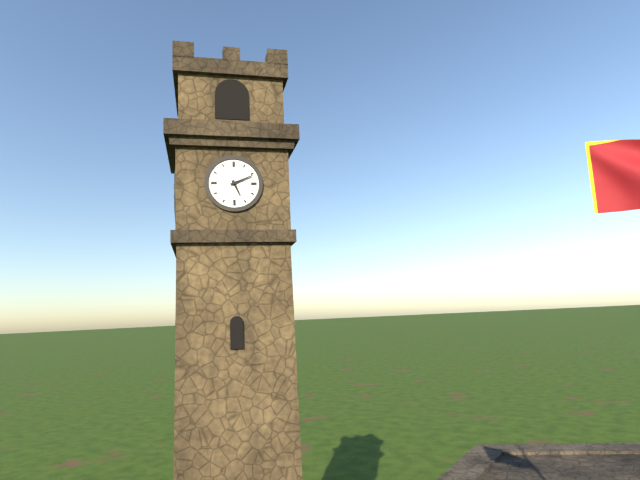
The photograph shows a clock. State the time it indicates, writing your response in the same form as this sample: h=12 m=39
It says h=5 m=11
